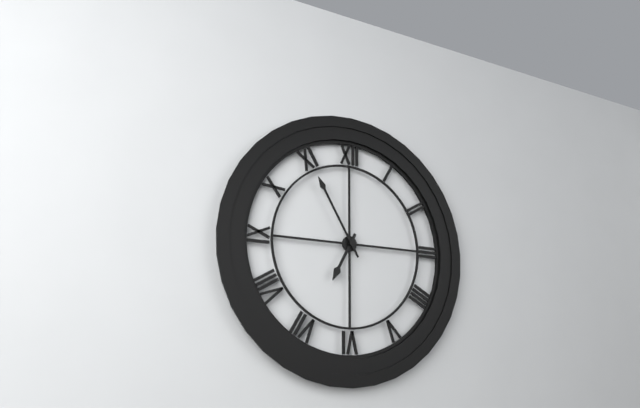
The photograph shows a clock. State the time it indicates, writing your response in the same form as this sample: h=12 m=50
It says h=6 m=55
